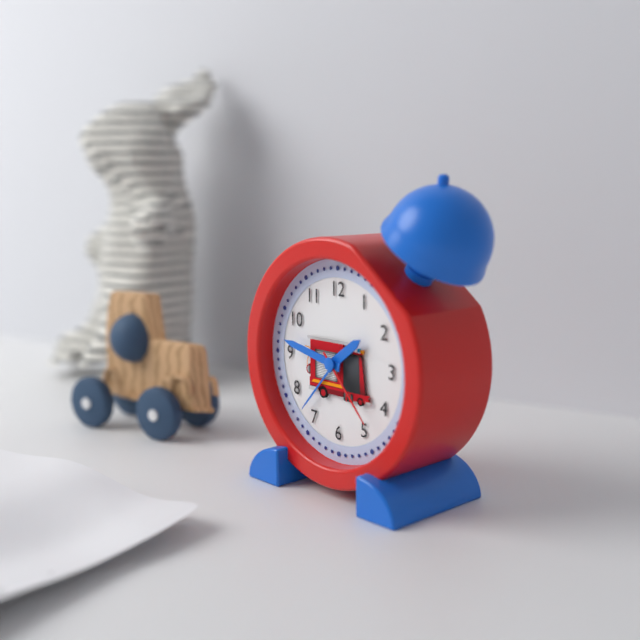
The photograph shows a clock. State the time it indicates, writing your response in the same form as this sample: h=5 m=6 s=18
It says h=1 m=47 s=23
